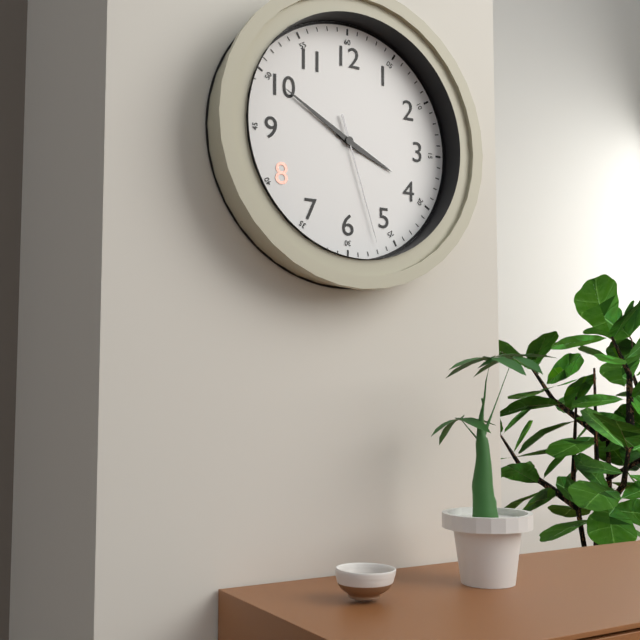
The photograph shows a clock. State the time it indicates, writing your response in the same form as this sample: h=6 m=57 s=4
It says h=3 m=50 s=27
